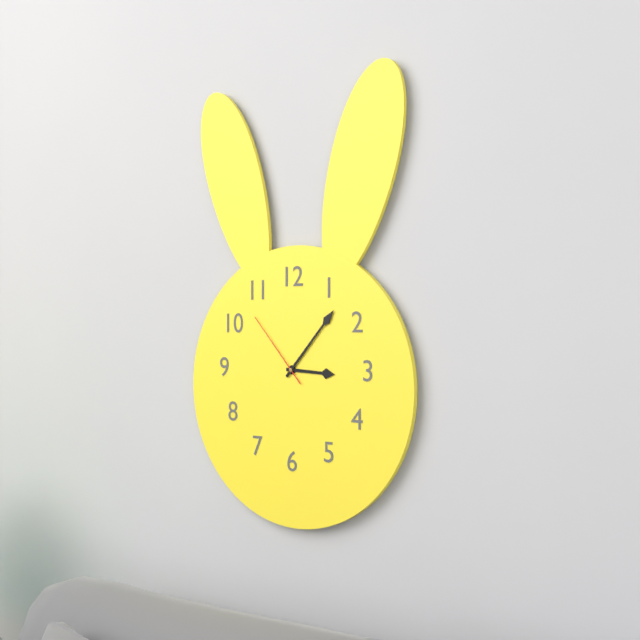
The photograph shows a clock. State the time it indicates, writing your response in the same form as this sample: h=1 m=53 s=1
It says h=3 m=7 s=53
